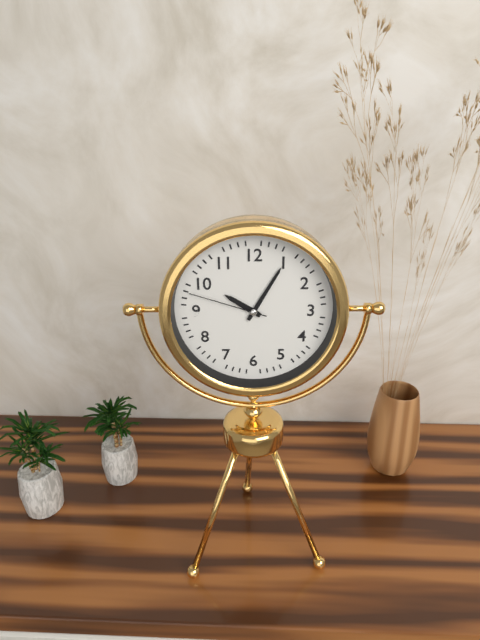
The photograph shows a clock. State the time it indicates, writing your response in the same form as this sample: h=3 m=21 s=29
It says h=10 m=5 s=48
